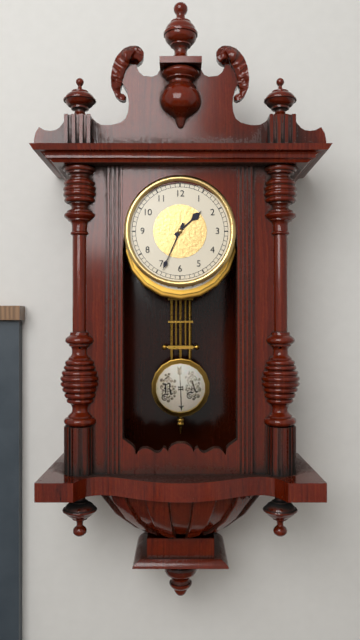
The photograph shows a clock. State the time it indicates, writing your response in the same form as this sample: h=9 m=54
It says h=1 m=34
